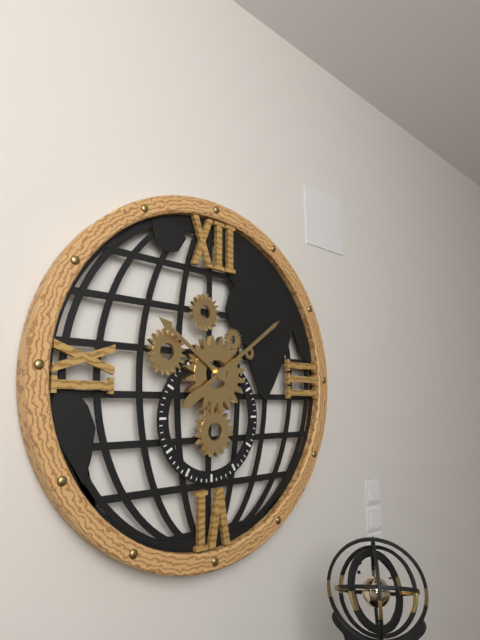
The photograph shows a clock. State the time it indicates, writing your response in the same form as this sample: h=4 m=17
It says h=10 m=9
